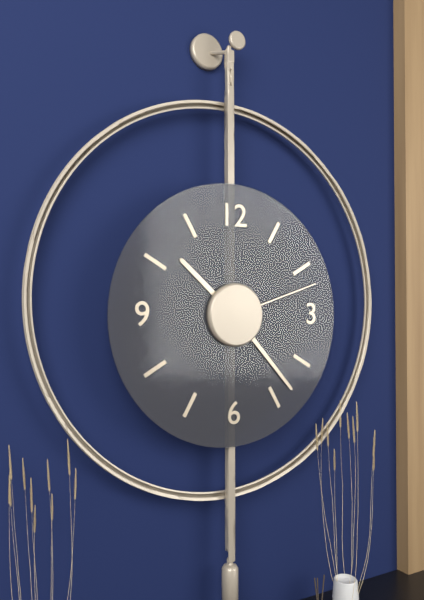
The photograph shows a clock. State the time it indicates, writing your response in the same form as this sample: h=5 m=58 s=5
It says h=10 m=23 s=12
